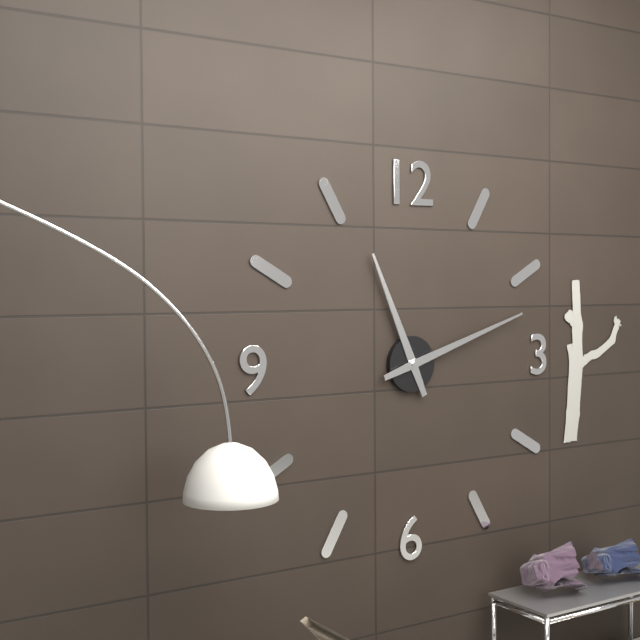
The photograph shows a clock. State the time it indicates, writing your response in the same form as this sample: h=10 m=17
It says h=11 m=12
